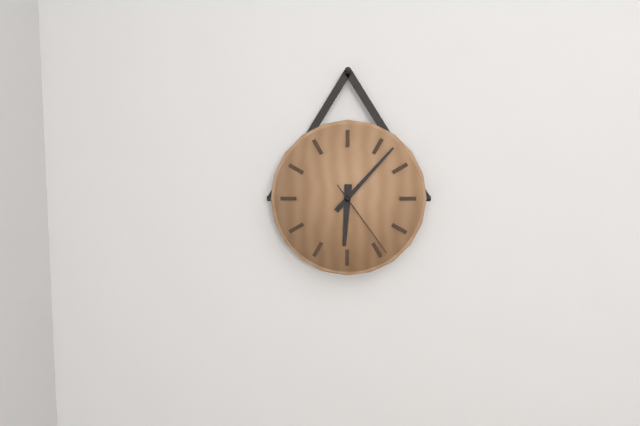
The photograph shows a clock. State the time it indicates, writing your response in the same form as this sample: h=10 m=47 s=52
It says h=6 m=7 s=24
